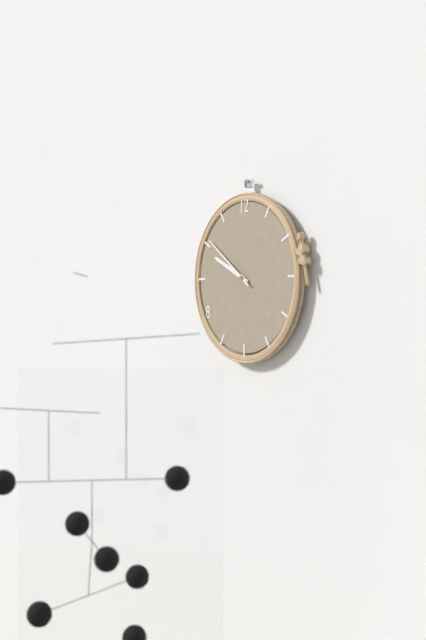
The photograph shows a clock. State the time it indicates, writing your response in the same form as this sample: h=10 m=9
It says h=9 m=51
